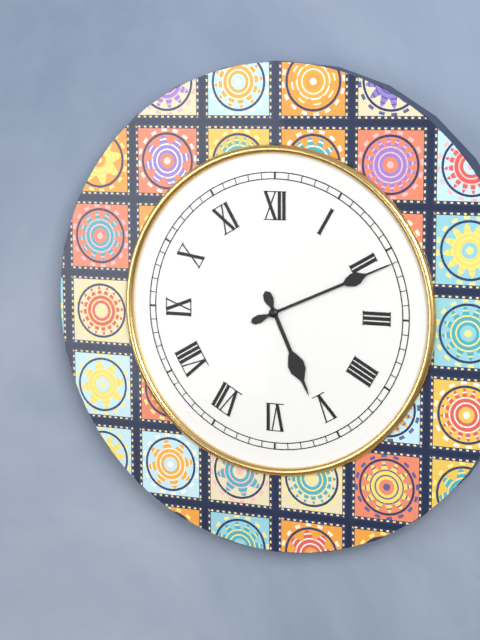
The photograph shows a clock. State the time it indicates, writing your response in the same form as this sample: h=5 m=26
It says h=5 m=11
